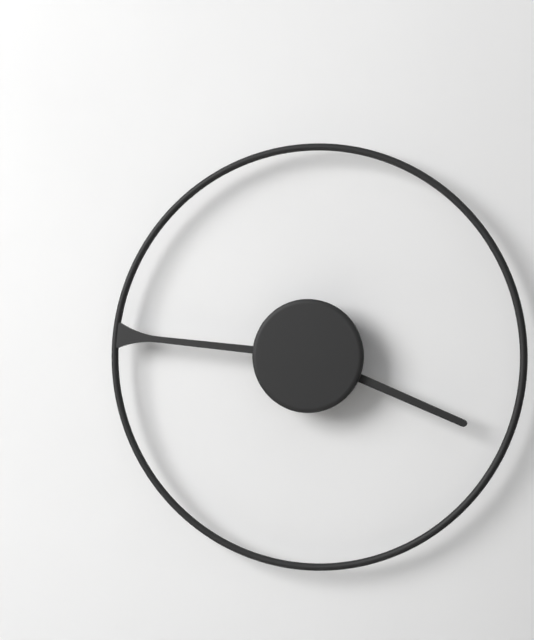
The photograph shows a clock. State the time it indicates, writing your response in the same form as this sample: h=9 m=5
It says h=3 m=46
